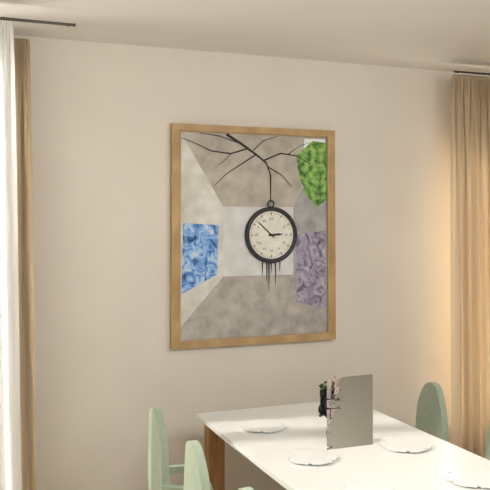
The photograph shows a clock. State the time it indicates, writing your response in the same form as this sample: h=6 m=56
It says h=2 m=52
